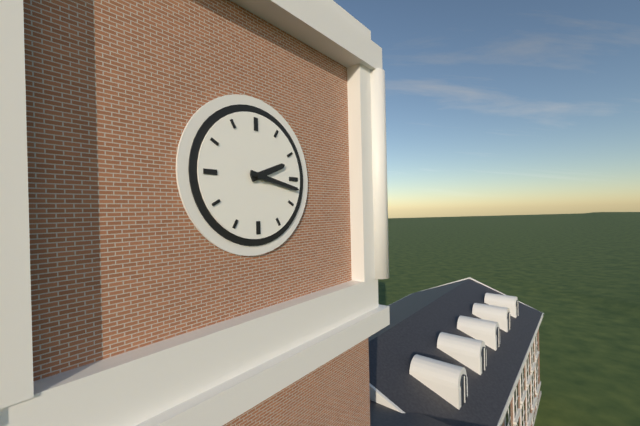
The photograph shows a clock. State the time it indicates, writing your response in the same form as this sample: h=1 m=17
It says h=2 m=17
